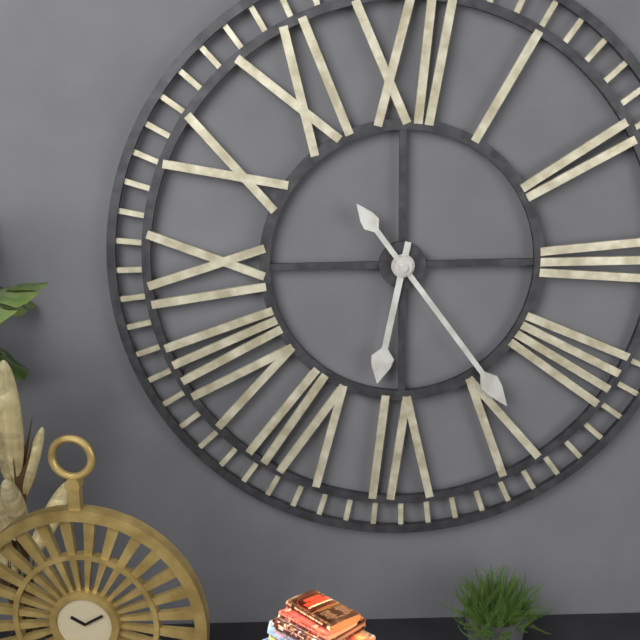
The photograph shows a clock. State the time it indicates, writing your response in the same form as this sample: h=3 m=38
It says h=6 m=24
